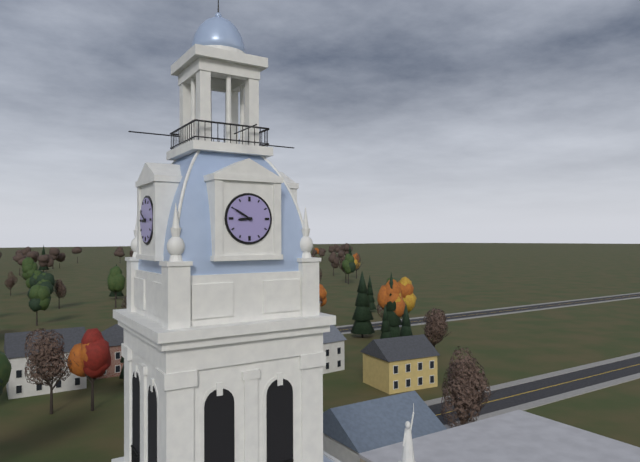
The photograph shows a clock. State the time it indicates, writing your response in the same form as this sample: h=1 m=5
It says h=8 m=50
